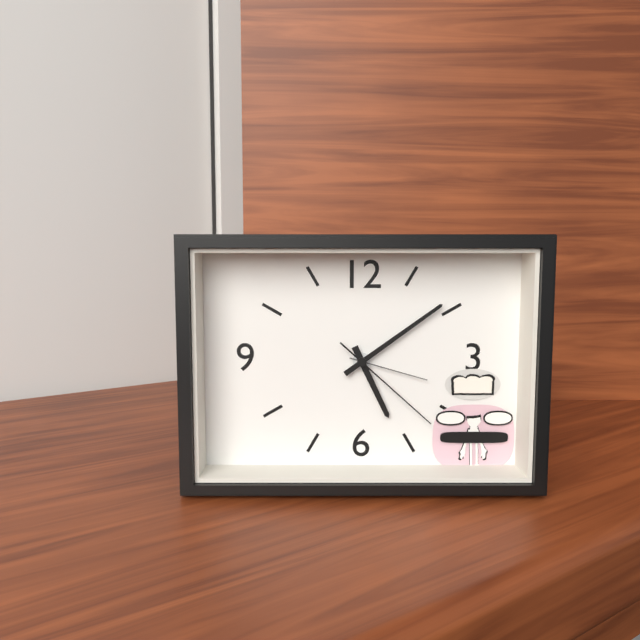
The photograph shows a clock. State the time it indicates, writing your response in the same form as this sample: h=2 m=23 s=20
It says h=5 m=9 s=22
